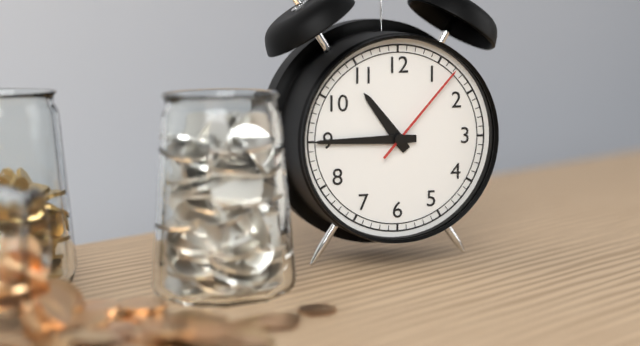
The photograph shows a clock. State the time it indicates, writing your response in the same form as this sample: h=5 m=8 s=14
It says h=10 m=45 s=7
